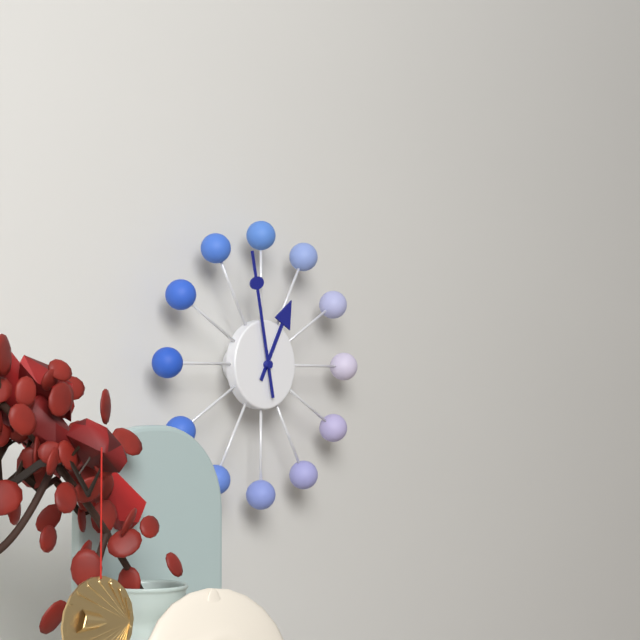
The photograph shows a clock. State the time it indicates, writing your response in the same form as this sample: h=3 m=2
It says h=12 m=58
